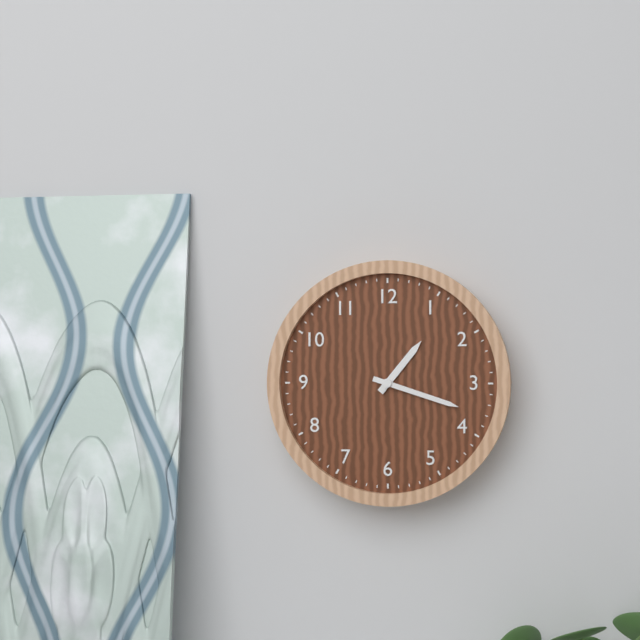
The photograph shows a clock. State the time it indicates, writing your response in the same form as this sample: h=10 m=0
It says h=1 m=18
